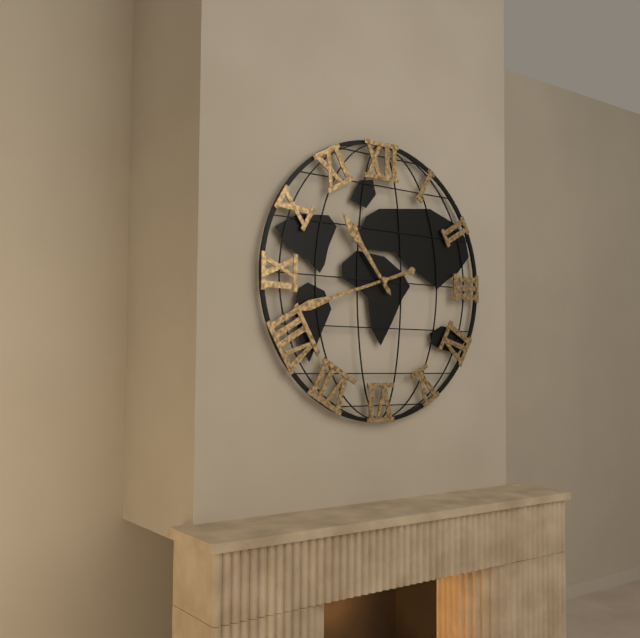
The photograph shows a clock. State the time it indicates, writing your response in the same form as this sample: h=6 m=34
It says h=10 m=42
